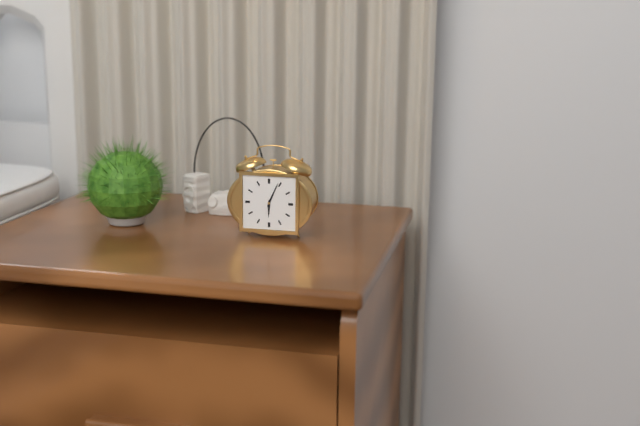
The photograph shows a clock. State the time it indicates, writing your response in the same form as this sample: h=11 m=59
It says h=6 m=4
